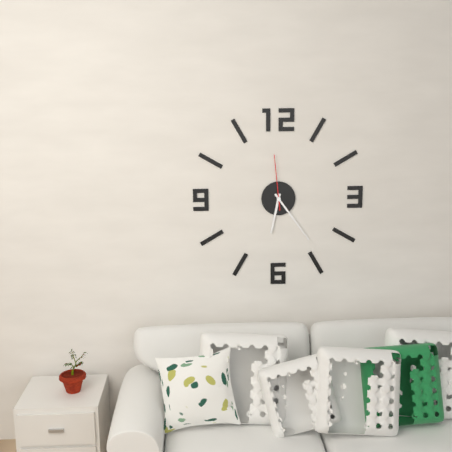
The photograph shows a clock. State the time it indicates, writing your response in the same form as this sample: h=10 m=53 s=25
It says h=6 m=24 s=59
